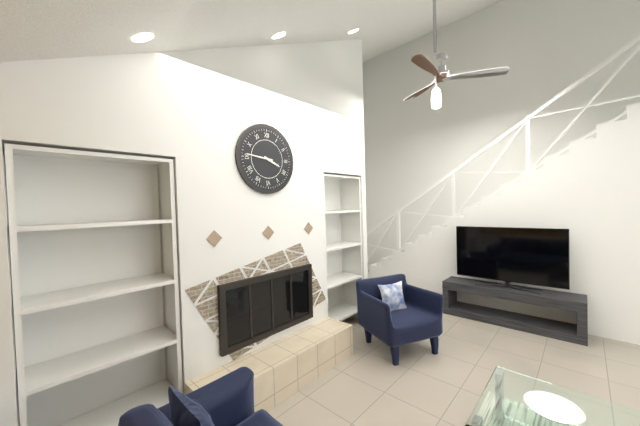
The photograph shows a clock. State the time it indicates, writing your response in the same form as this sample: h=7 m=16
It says h=3 m=46
